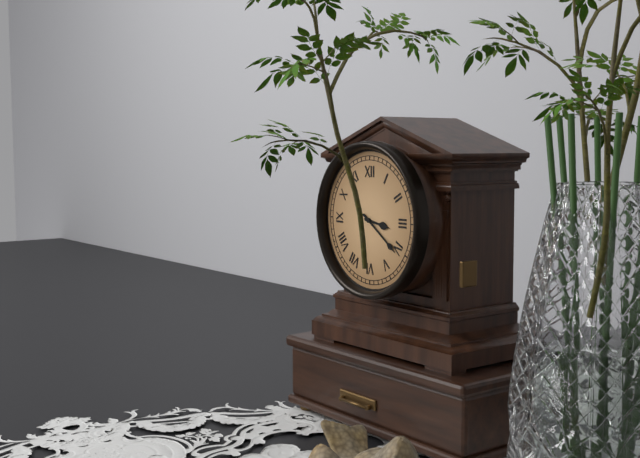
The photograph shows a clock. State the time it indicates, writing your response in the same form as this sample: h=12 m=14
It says h=3 m=21
